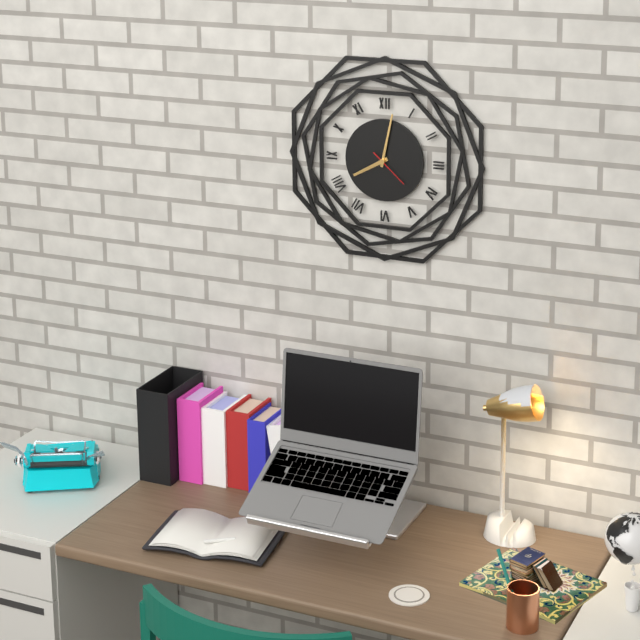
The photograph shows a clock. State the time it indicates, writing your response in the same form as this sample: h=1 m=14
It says h=8 m=2
